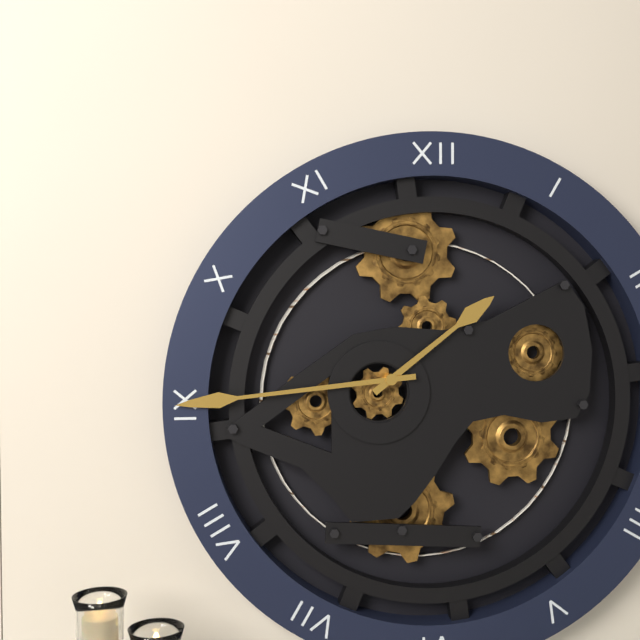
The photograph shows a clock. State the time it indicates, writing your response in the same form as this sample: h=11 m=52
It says h=1 m=44
